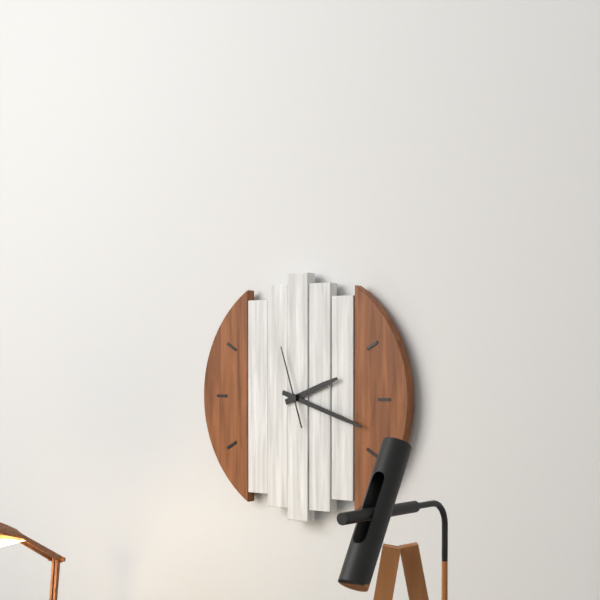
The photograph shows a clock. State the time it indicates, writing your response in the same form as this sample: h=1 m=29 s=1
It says h=2 m=18 s=57
